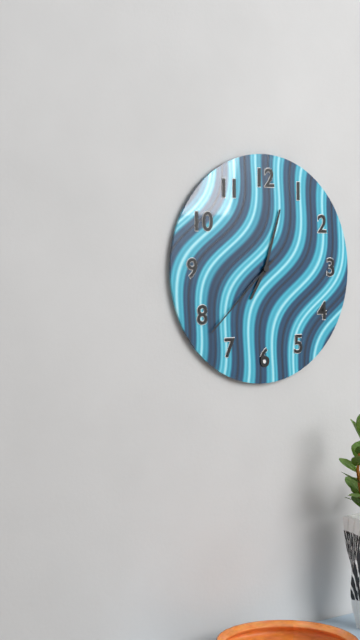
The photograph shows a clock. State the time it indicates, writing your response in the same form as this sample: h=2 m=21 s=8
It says h=7 m=3 s=38
